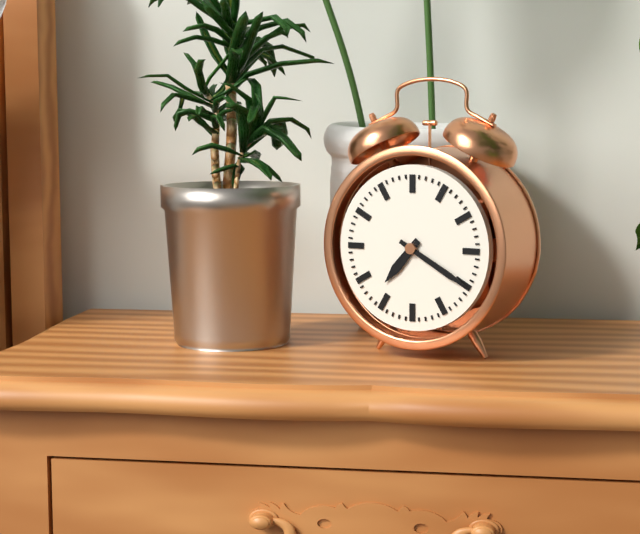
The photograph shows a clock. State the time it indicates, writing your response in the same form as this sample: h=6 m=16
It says h=7 m=20
